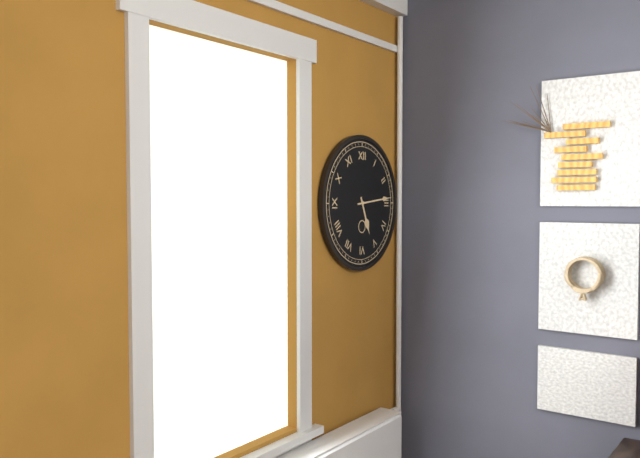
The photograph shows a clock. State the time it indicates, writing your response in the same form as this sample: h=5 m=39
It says h=5 m=14
